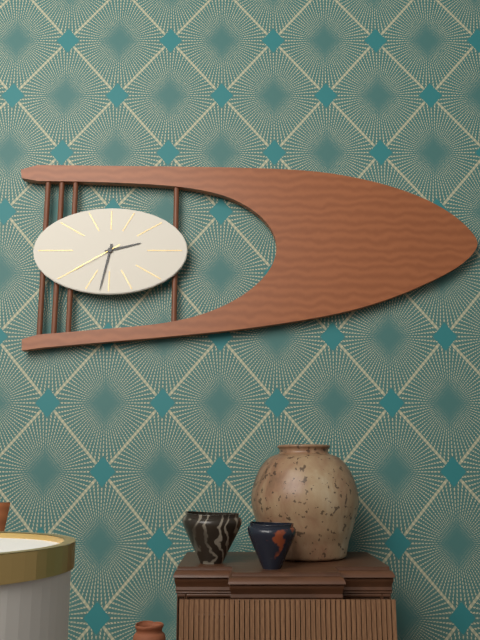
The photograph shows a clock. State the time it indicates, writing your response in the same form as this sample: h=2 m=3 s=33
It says h=2 m=32 s=40
